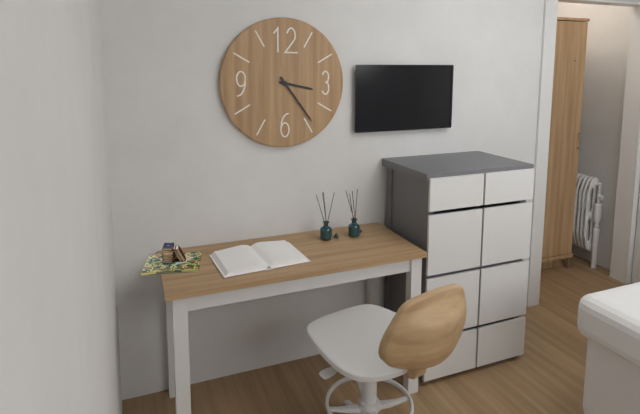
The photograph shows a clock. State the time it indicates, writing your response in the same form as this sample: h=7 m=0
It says h=3 m=24
